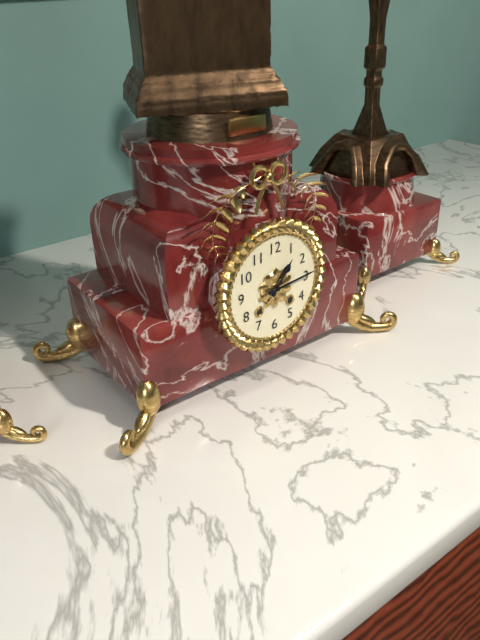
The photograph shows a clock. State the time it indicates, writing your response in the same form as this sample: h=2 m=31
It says h=1 m=14
